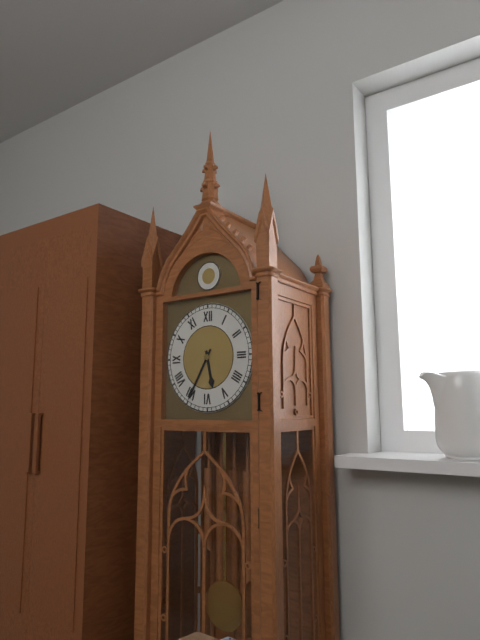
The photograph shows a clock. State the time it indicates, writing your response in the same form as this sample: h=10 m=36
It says h=5 m=35
